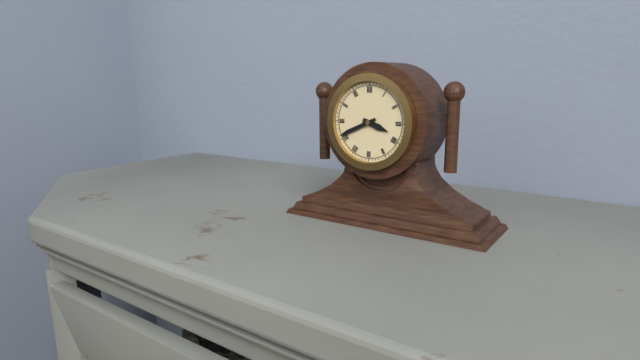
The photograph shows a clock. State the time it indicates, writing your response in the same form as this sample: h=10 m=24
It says h=3 m=41
